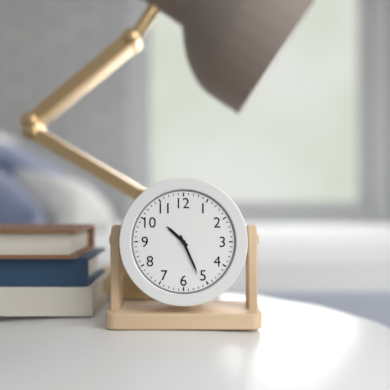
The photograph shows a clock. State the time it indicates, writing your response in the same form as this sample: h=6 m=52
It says h=10 m=26
